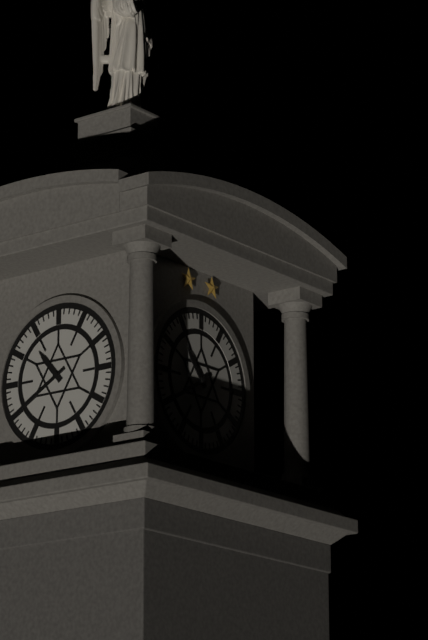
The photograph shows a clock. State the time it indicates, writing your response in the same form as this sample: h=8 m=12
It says h=10 m=40
